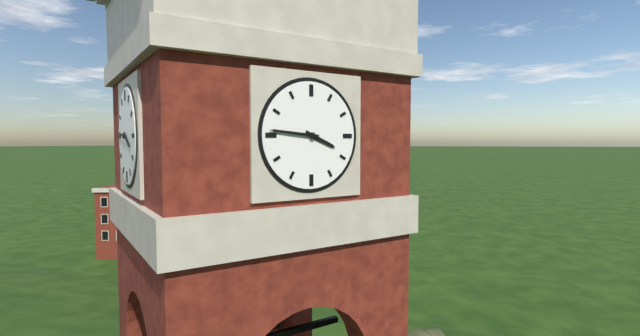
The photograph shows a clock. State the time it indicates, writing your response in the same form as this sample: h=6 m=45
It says h=3 m=46
